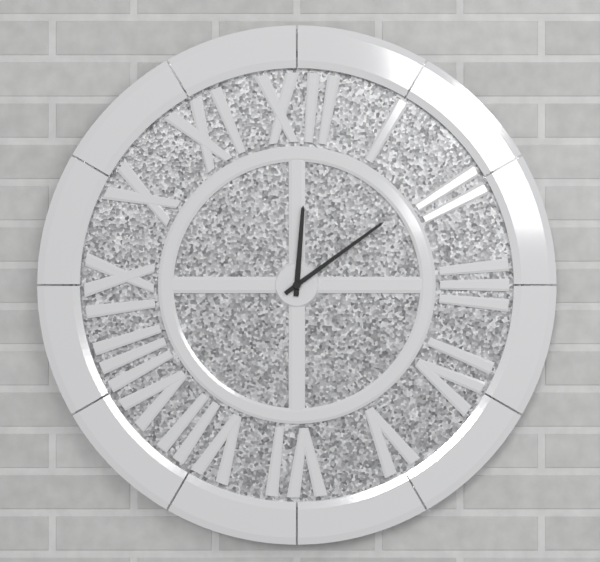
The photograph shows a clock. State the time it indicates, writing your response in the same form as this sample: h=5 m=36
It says h=12 m=9
